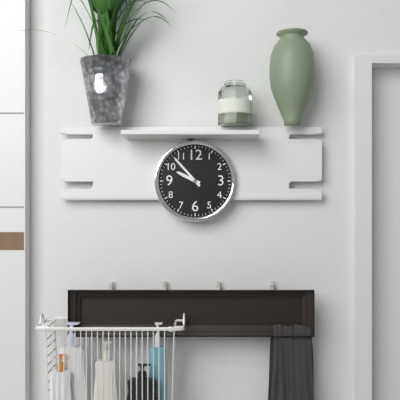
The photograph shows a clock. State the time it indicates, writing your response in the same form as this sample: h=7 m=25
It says h=9 m=53
